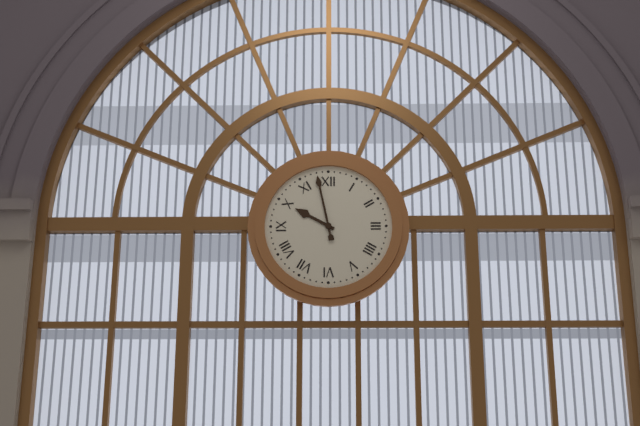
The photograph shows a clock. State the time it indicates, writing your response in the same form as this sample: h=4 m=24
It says h=9 m=58
